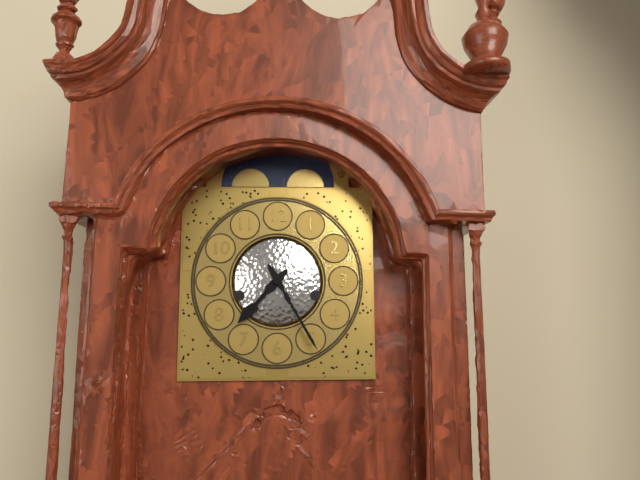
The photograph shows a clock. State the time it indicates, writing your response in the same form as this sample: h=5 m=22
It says h=7 m=25
